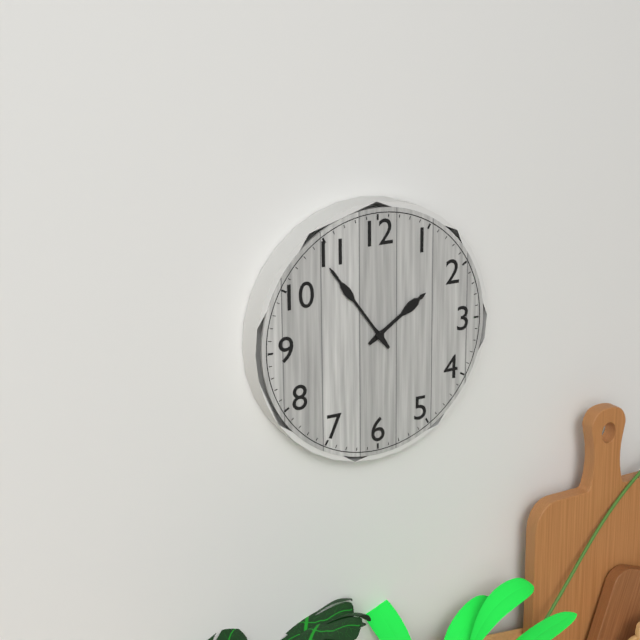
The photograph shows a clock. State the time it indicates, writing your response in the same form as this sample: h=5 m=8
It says h=1 m=54
